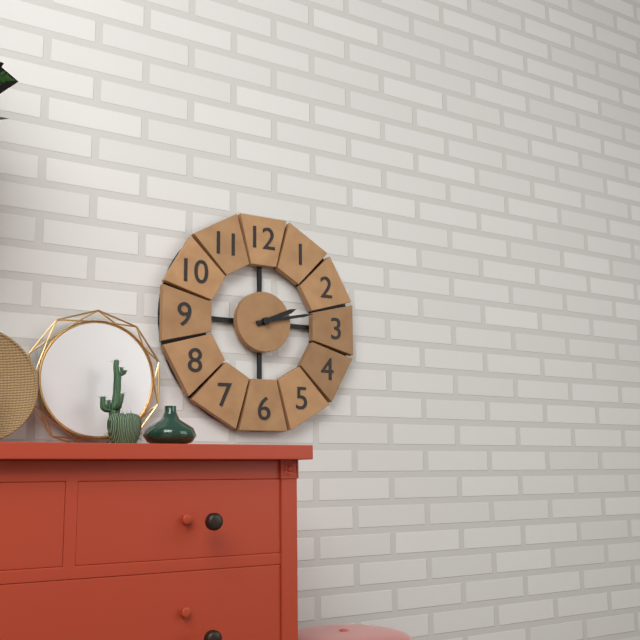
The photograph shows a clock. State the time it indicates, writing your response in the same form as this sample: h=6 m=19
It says h=2 m=13
